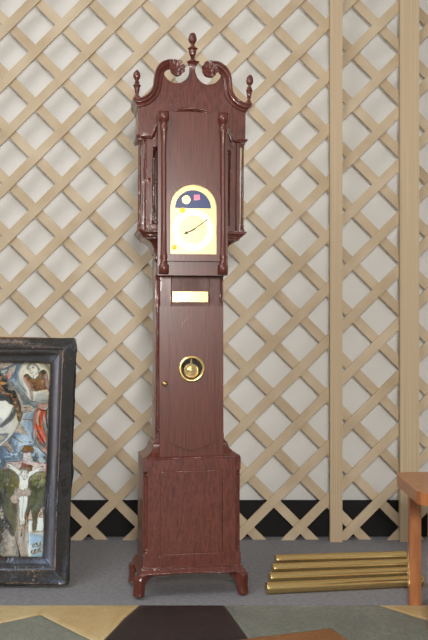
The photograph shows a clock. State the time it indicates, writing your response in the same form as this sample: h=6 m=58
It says h=8 m=9
